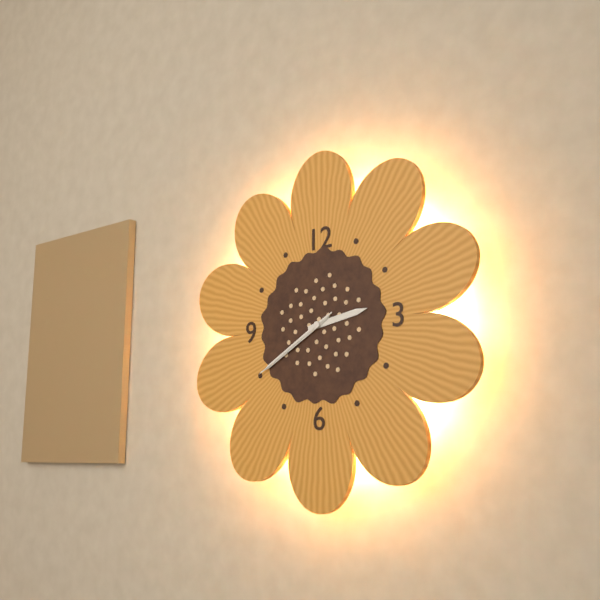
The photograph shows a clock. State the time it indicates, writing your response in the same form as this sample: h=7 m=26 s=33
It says h=2 m=40 s=40
